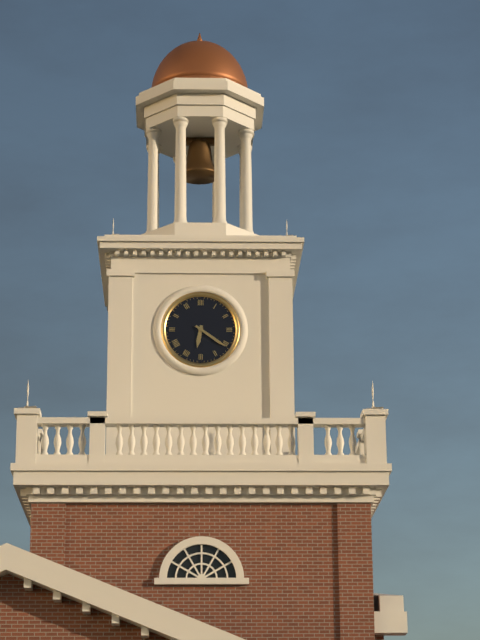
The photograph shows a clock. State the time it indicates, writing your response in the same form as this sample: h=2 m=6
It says h=6 m=21
